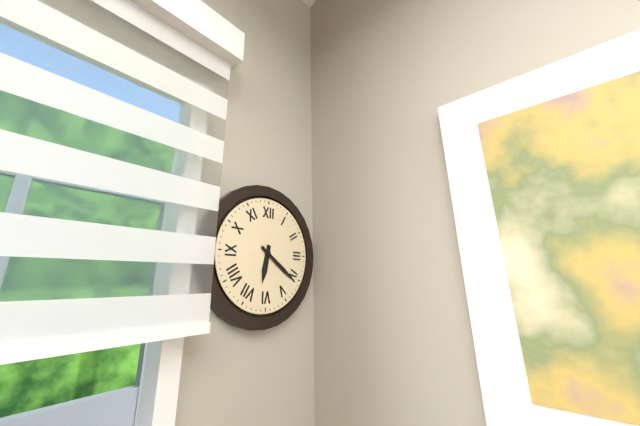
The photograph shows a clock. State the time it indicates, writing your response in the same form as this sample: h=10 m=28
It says h=6 m=21
